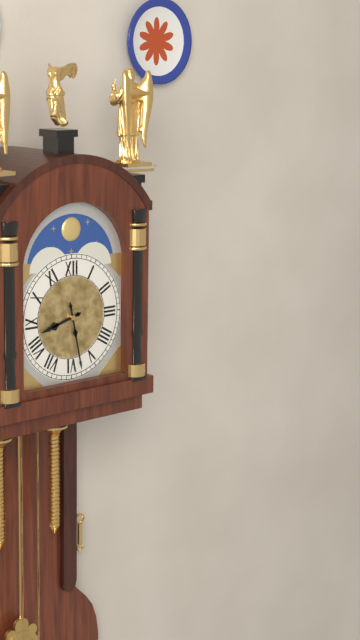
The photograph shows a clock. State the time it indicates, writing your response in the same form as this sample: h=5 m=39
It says h=8 m=28
